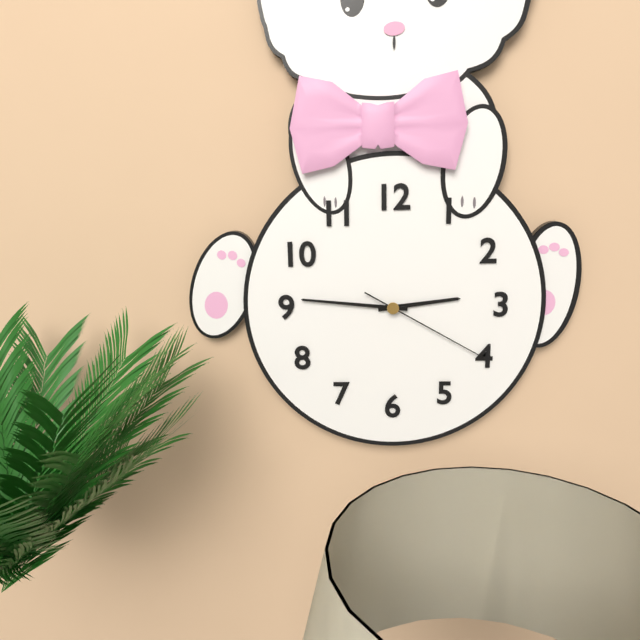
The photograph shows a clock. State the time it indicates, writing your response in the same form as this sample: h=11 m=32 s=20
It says h=2 m=46 s=20
